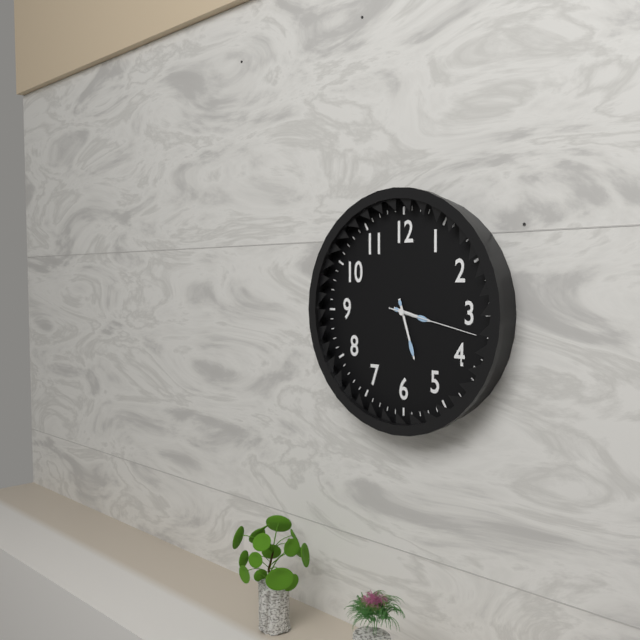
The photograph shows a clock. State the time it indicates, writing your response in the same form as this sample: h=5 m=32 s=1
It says h=3 m=27 s=17
